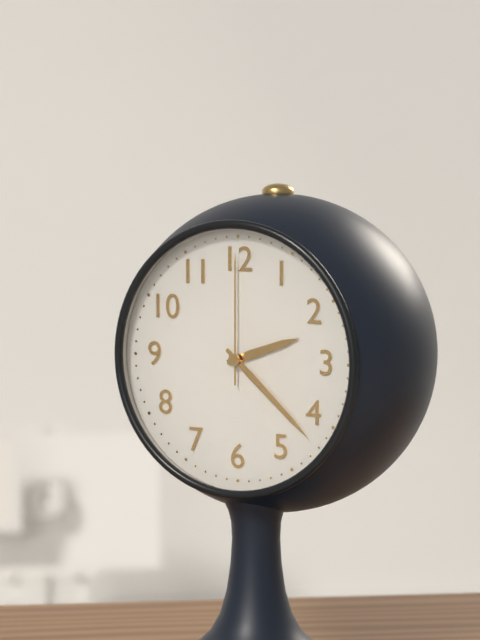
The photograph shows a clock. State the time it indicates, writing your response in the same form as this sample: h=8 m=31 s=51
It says h=2 m=22 s=0
